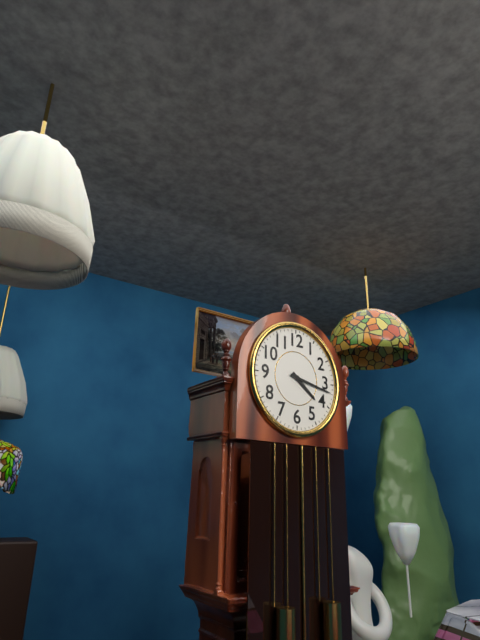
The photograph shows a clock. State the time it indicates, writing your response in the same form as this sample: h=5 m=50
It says h=4 m=17
